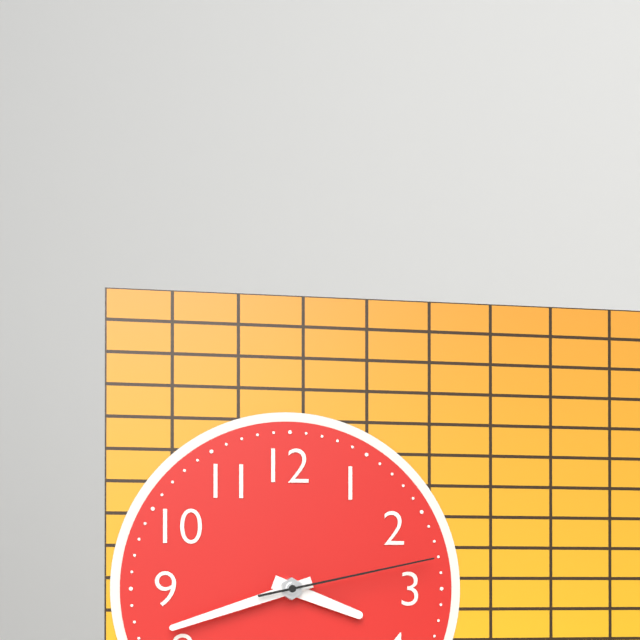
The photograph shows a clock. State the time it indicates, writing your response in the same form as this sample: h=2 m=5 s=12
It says h=3 m=42 s=13
